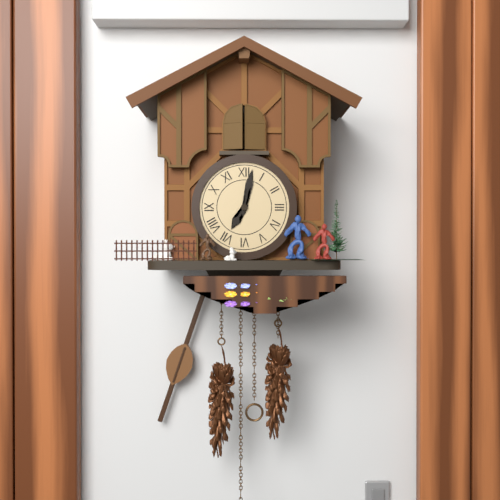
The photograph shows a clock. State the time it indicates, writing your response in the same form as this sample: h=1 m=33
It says h=7 m=2
